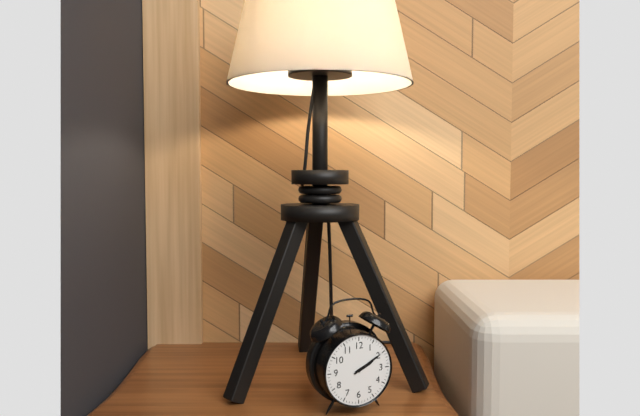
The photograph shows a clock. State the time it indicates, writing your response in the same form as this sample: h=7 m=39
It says h=2 m=10
